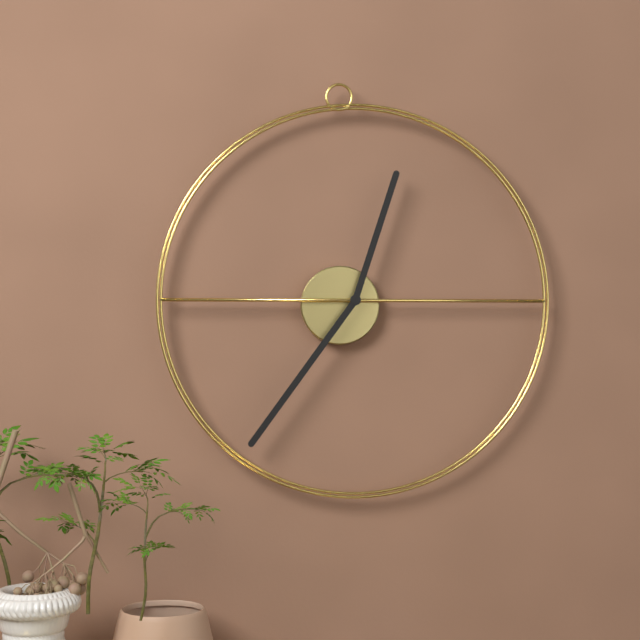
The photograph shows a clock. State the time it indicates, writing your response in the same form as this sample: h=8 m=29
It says h=12 m=36
